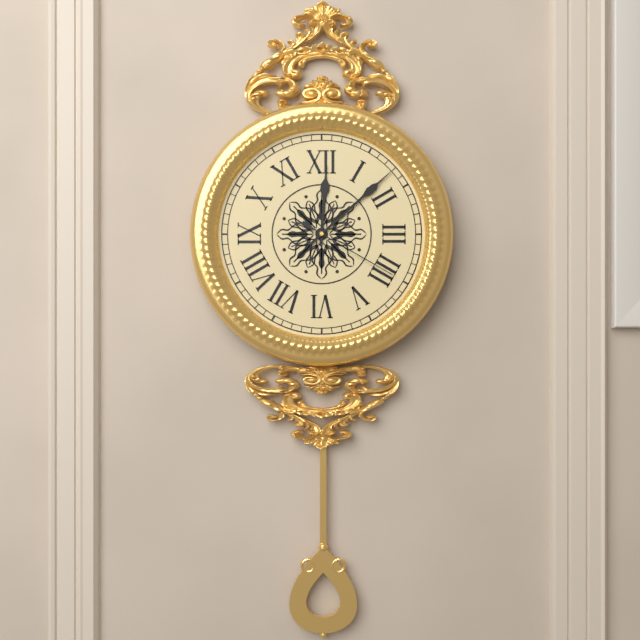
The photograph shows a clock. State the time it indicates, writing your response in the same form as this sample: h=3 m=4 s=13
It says h=12 m=8 s=20
